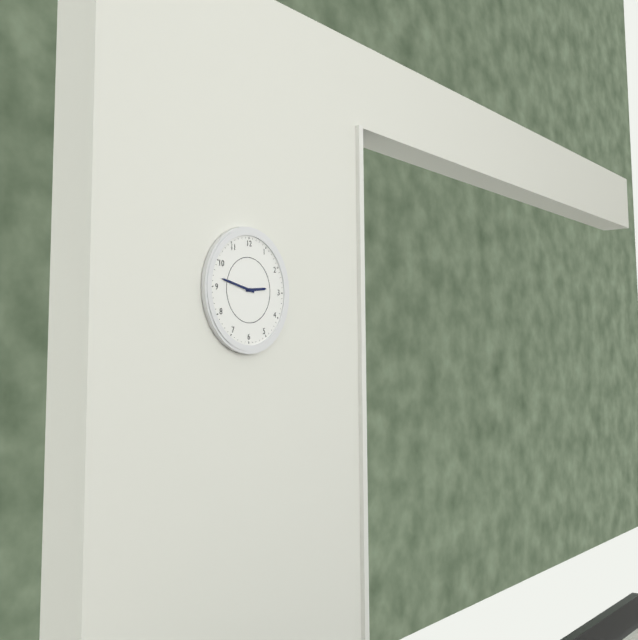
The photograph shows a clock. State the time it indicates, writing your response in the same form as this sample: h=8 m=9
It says h=2 m=47
